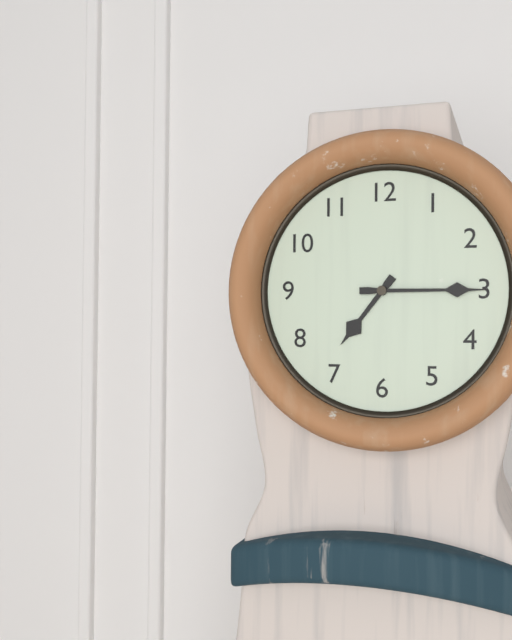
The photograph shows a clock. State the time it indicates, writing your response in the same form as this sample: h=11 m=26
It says h=7 m=15
